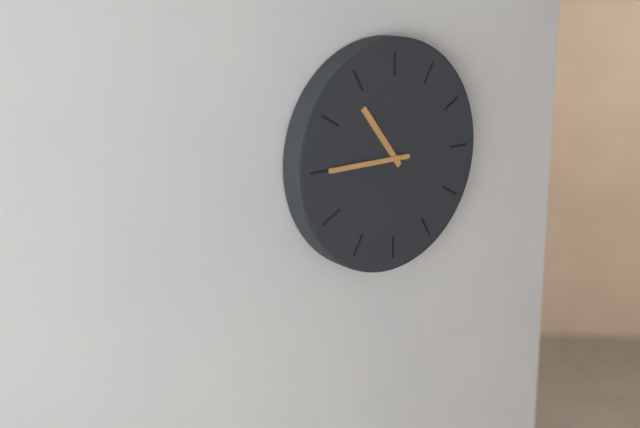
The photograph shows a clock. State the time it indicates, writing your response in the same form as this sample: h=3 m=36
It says h=10 m=45
